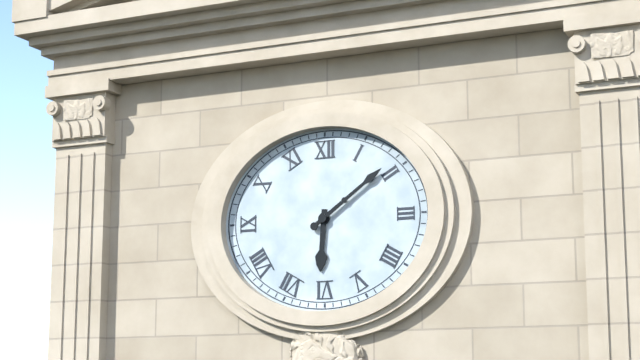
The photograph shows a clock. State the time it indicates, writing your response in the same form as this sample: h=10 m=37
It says h=6 m=9
